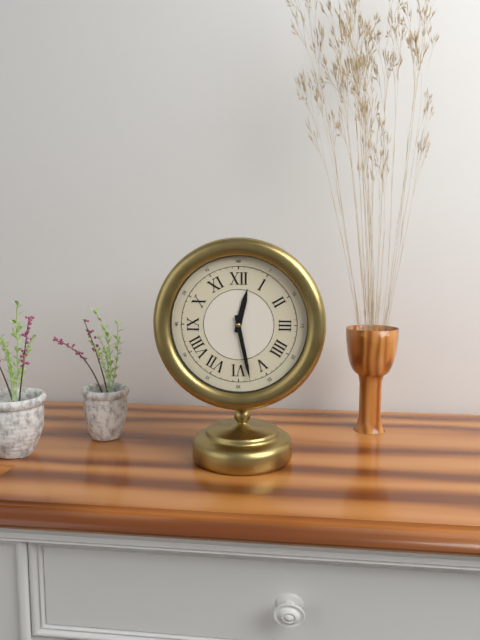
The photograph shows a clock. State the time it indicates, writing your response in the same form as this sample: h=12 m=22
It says h=12 m=28
